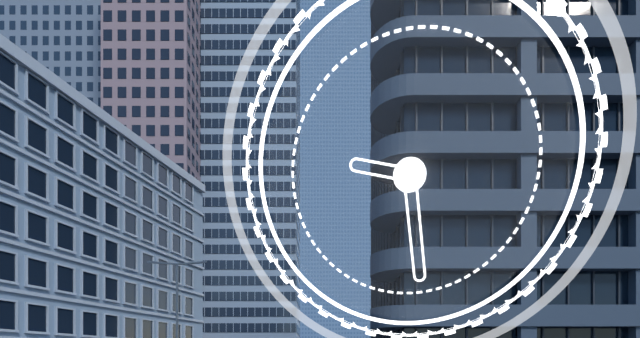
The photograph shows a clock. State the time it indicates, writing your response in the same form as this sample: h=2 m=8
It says h=9 m=29
